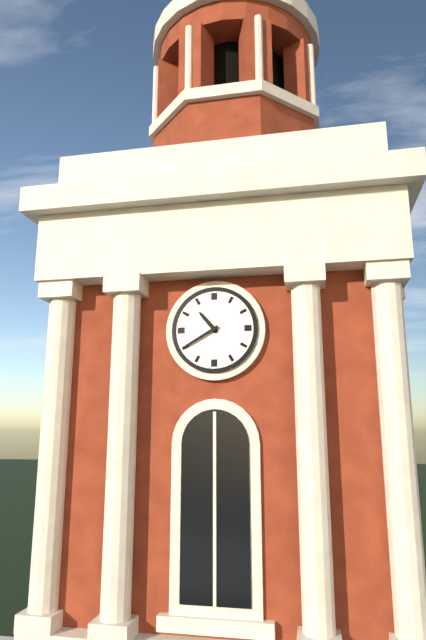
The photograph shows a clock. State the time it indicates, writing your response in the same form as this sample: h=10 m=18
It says h=10 m=40
